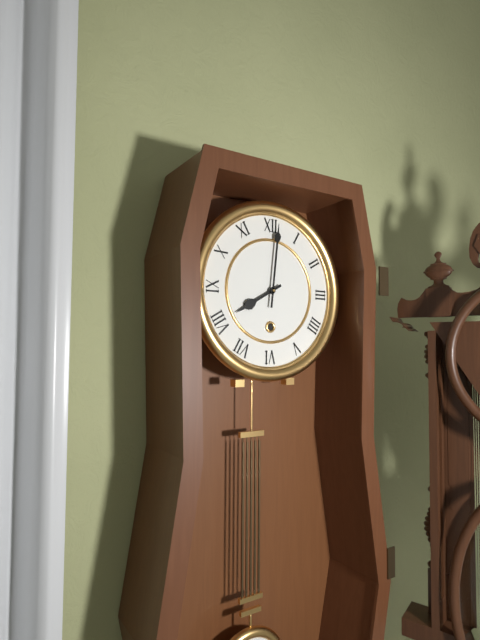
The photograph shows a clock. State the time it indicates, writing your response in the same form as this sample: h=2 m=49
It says h=8 m=1
